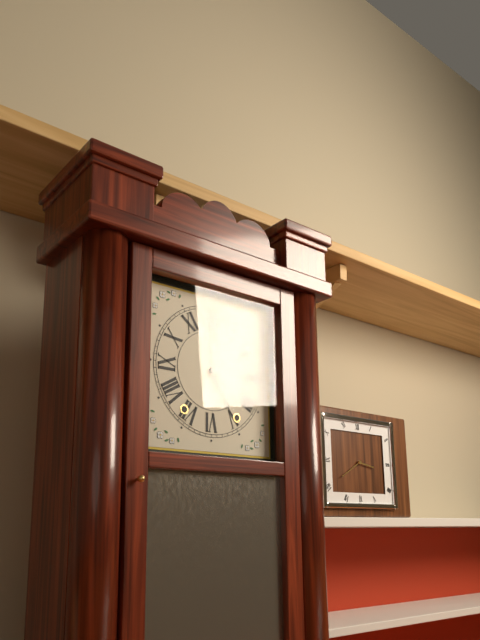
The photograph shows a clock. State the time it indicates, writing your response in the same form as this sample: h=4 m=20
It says h=4 m=59
